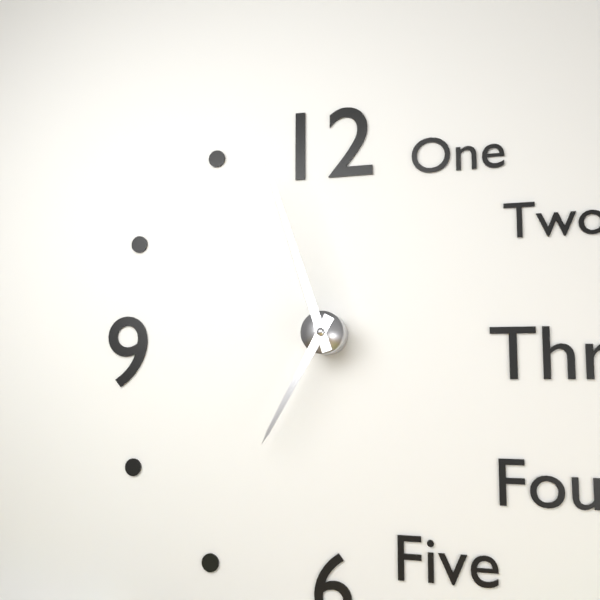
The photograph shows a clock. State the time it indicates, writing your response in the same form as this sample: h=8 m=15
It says h=6 m=57
